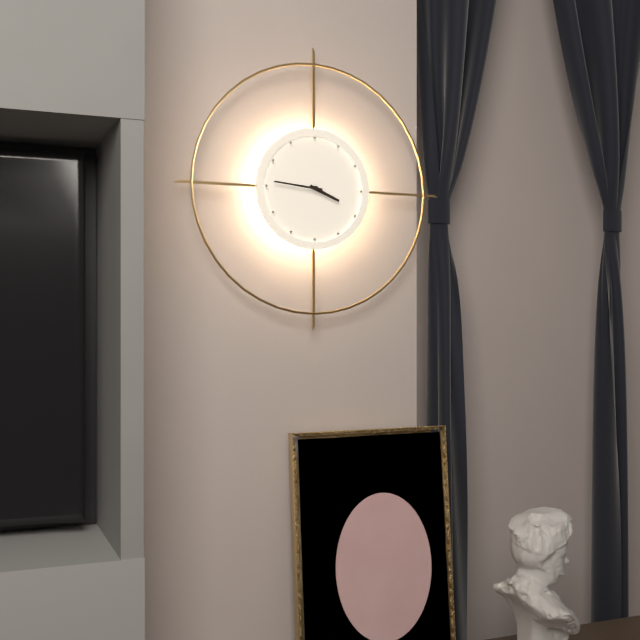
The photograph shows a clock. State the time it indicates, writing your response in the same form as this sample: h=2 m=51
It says h=3 m=46
